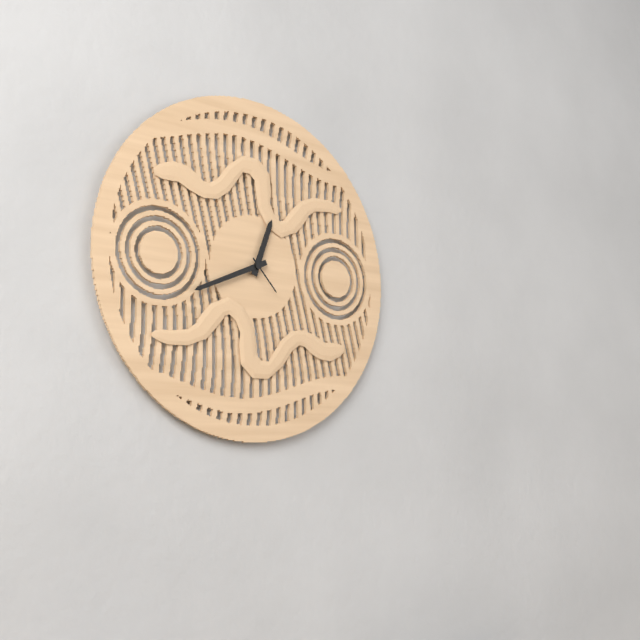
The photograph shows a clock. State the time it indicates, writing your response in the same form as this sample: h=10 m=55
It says h=12 m=41
